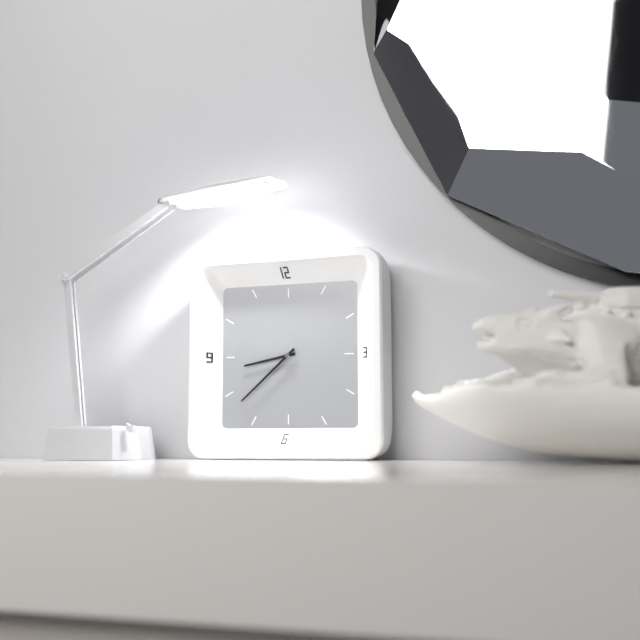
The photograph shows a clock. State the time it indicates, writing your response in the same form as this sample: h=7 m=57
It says h=8 m=38
